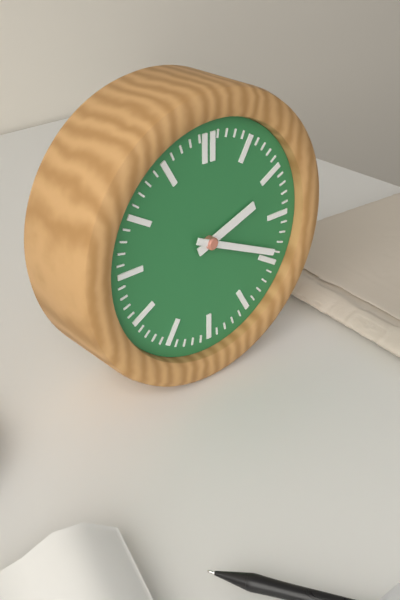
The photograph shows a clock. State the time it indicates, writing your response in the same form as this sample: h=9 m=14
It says h=2 m=19
